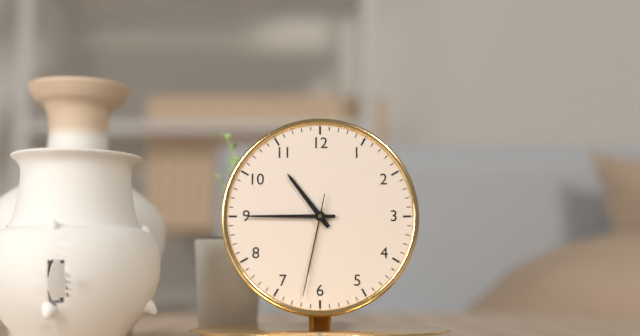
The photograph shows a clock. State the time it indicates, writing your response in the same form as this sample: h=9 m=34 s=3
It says h=10 m=45 s=32
